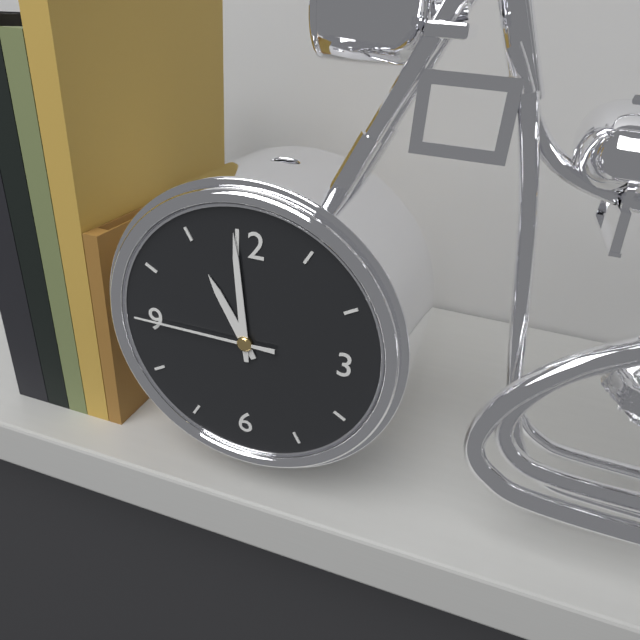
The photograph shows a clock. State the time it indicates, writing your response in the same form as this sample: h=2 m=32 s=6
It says h=10 m=59 s=45
